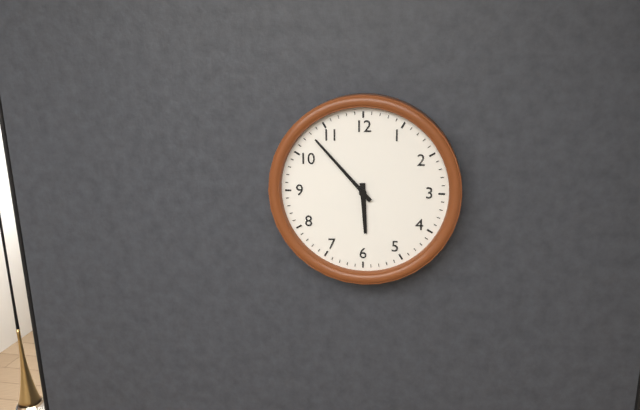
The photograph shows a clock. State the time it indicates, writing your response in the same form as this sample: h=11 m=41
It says h=5 m=53
